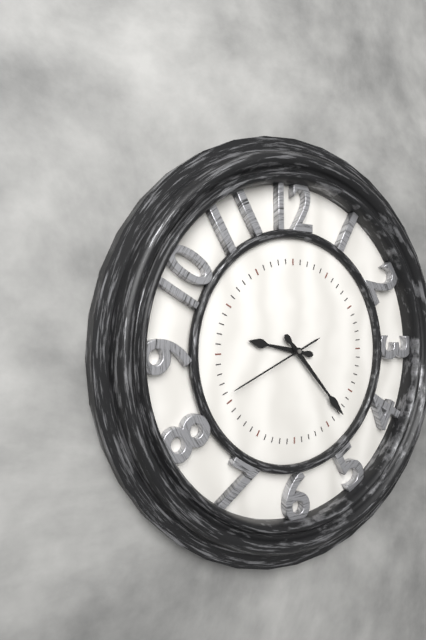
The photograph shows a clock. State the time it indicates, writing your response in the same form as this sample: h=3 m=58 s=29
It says h=9 m=23 s=41
